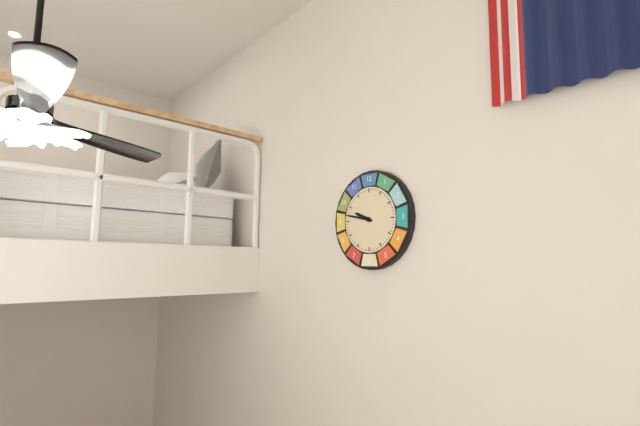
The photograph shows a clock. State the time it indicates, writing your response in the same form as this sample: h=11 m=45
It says h=9 m=47
